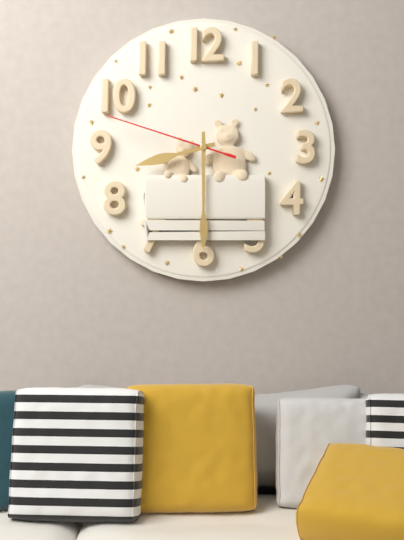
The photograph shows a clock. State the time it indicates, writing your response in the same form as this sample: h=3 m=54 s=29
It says h=8 m=30 s=48
